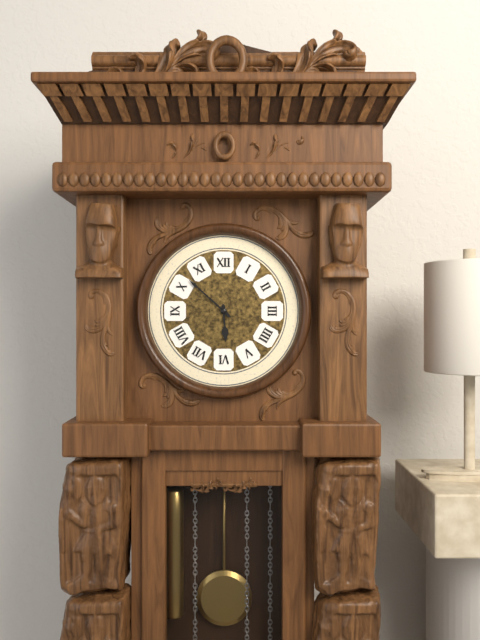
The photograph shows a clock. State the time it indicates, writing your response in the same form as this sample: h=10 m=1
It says h=5 m=52
